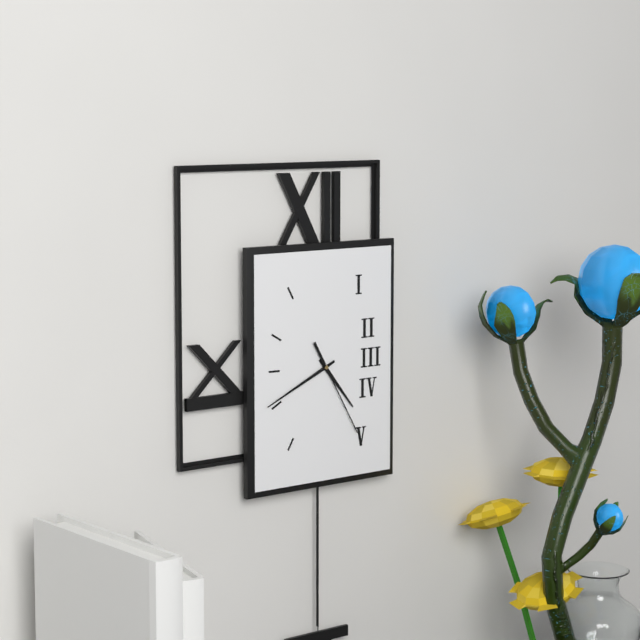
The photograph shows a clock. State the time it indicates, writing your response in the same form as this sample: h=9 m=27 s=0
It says h=4 m=41 s=25
